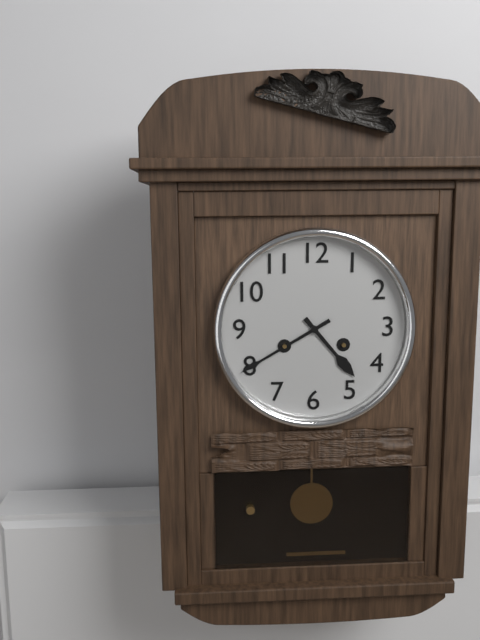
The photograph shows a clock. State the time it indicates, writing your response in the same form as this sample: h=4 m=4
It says h=4 m=40
